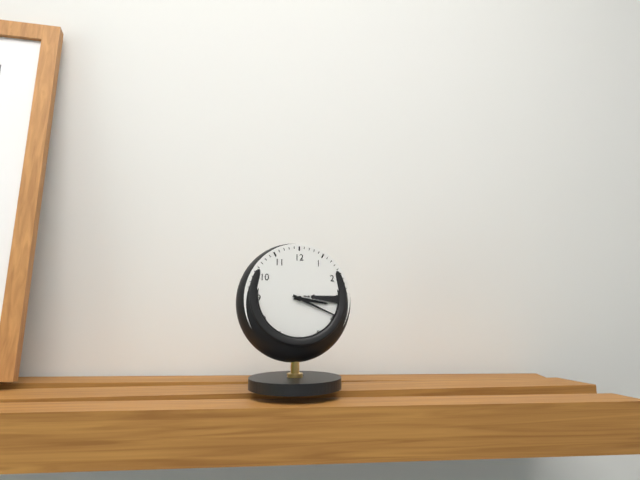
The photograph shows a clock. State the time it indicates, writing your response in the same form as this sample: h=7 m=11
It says h=3 m=19
